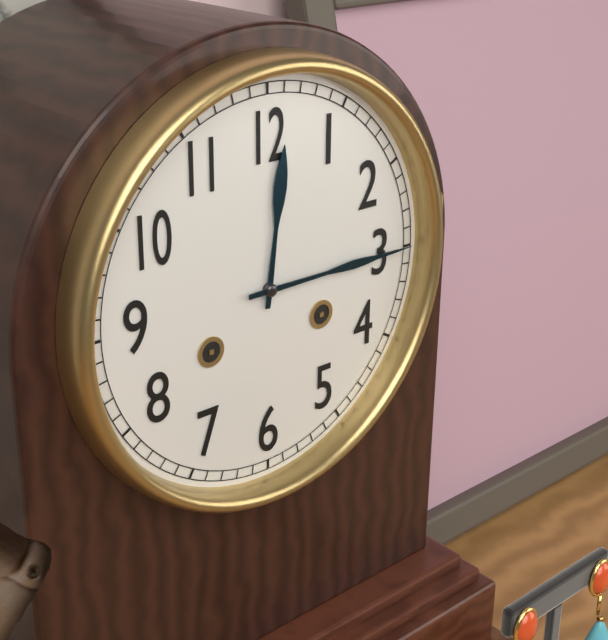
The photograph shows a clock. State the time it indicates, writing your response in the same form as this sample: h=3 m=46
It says h=12 m=15
